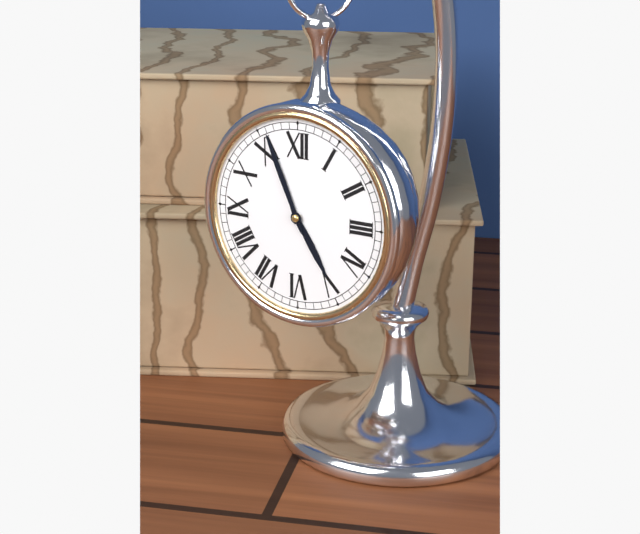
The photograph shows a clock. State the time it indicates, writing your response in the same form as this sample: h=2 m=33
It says h=4 m=56
